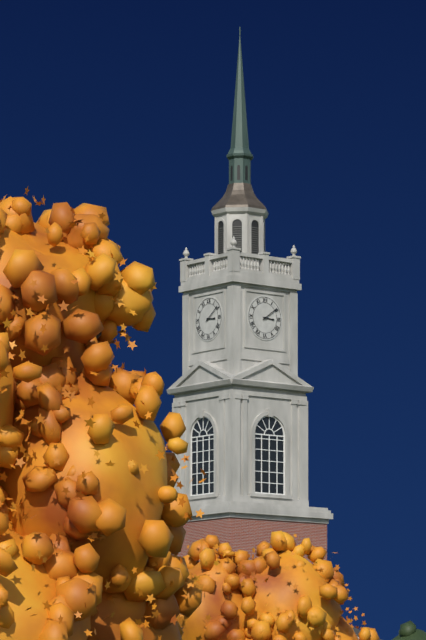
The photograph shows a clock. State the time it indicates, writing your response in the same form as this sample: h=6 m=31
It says h=3 m=9
